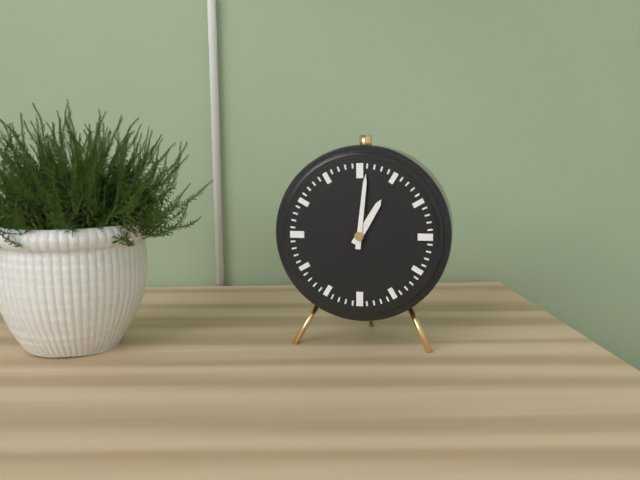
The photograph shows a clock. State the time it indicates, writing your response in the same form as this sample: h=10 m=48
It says h=1 m=1
